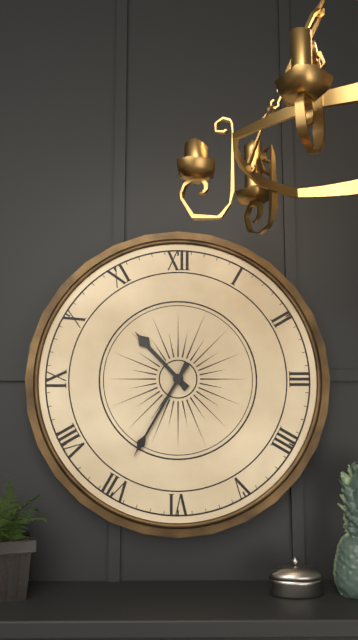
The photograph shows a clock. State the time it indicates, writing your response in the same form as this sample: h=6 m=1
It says h=10 m=35
